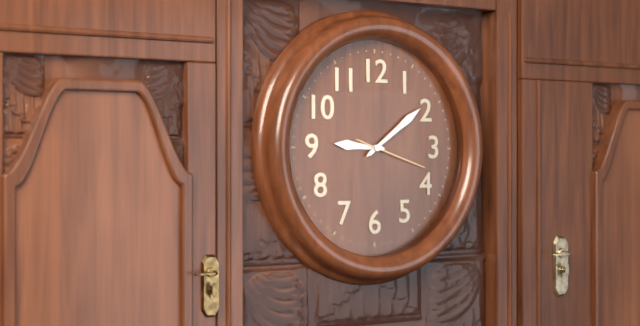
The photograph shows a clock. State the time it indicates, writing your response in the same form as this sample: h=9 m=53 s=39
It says h=9 m=9 s=18
